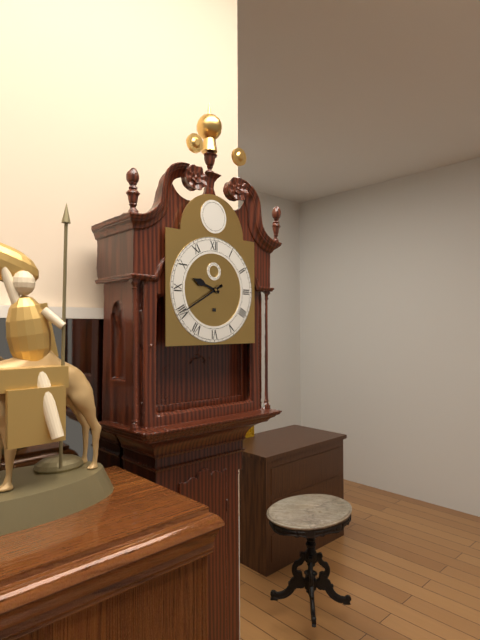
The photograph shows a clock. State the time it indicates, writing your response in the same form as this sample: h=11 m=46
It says h=9 m=40
